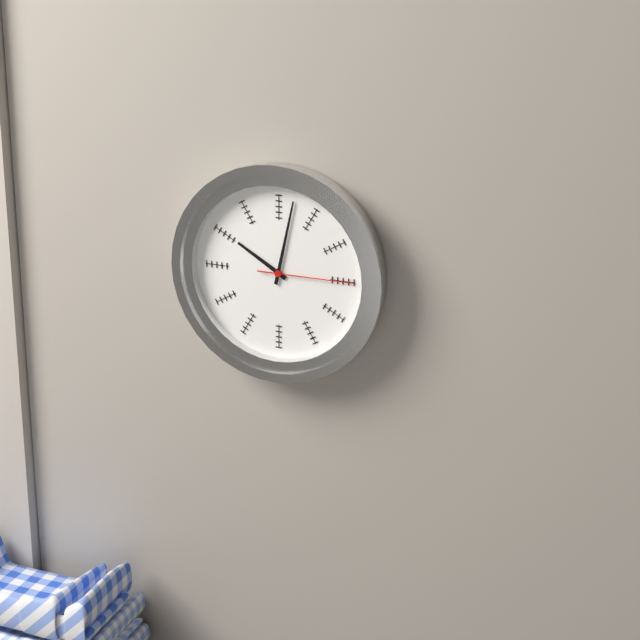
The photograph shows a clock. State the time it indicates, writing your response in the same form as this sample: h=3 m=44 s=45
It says h=10 m=2 s=15
